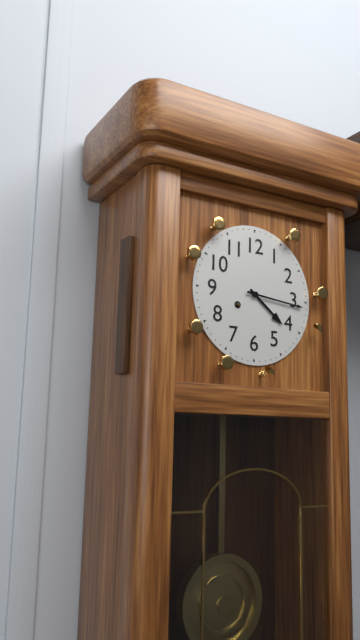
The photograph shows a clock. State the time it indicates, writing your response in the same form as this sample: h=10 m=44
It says h=4 m=16
